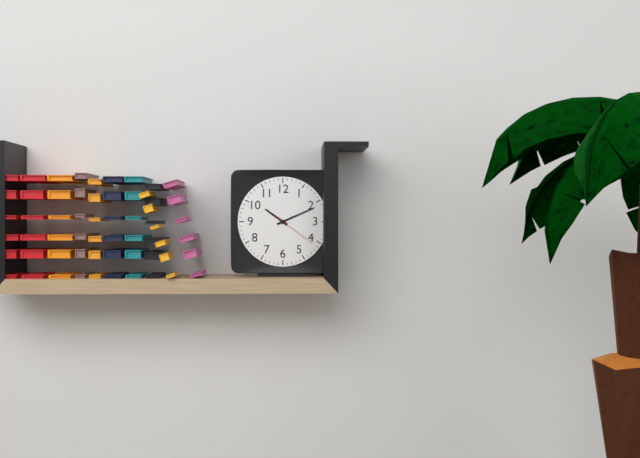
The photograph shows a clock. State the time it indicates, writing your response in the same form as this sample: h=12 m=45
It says h=10 m=11
